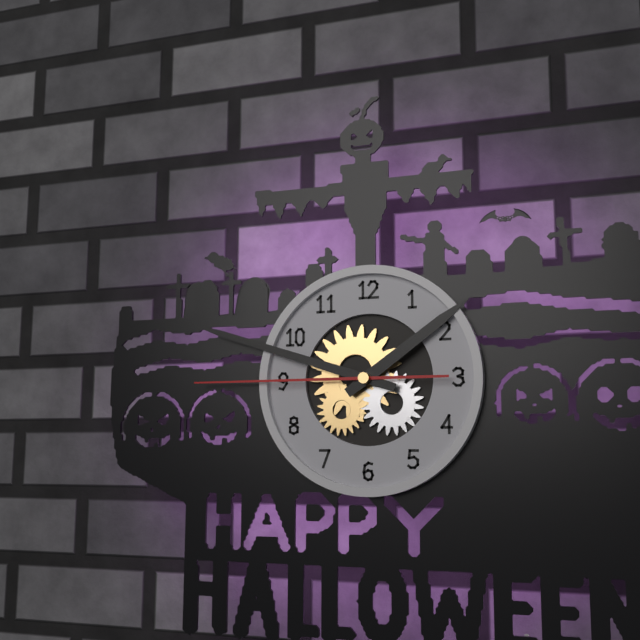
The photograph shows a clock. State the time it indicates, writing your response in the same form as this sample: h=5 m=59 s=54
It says h=1 m=48 s=45
